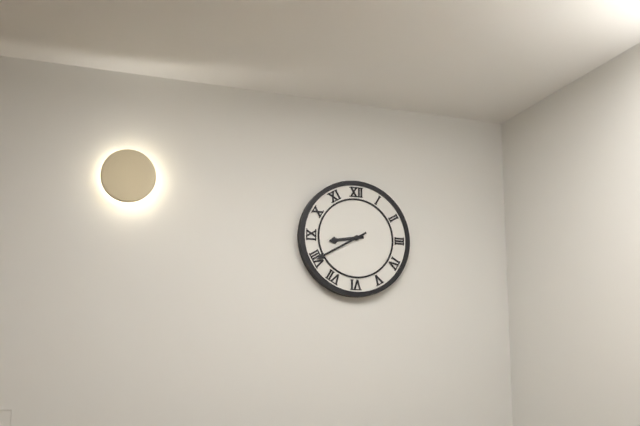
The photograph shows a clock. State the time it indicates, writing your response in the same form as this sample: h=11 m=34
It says h=8 m=40
